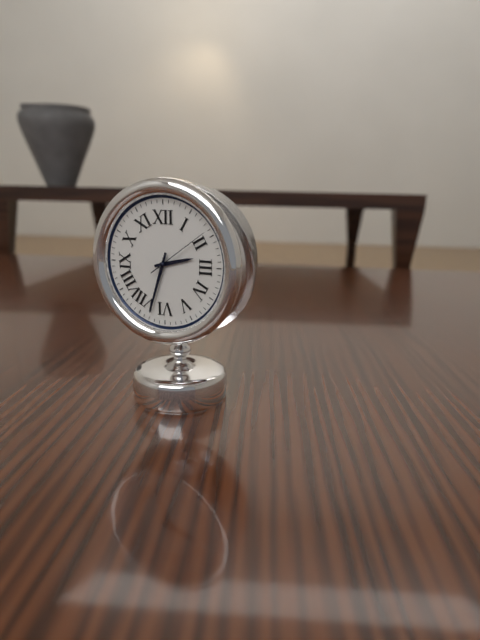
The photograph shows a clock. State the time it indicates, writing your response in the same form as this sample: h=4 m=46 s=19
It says h=2 m=33 s=9
